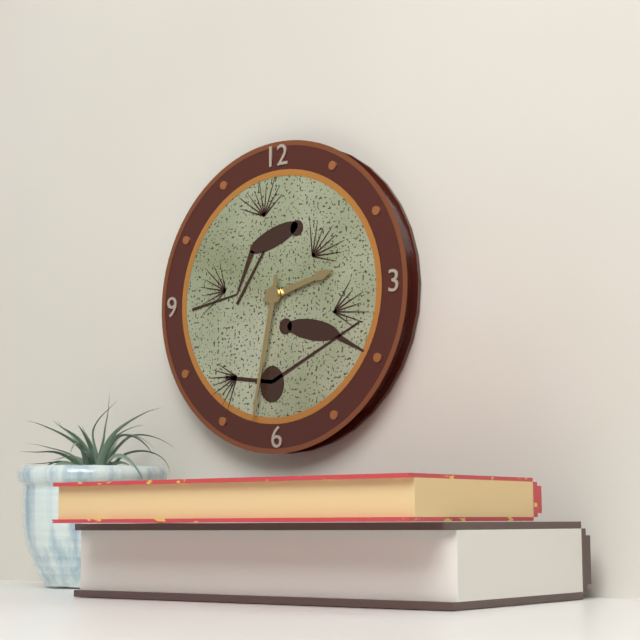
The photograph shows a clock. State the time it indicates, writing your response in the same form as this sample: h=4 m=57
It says h=2 m=32
